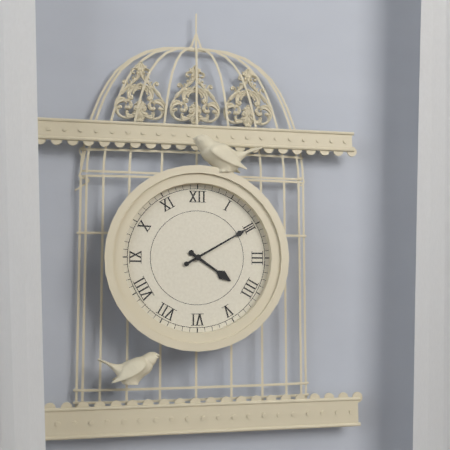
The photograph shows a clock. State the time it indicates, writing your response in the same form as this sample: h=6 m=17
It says h=4 m=10
